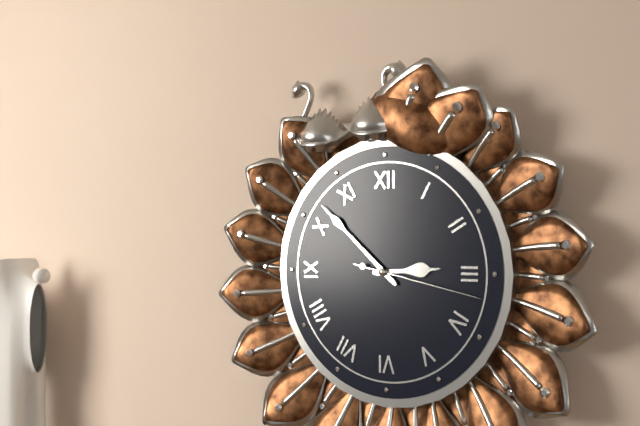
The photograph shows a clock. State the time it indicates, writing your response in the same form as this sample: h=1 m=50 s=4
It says h=2 m=52 s=17
